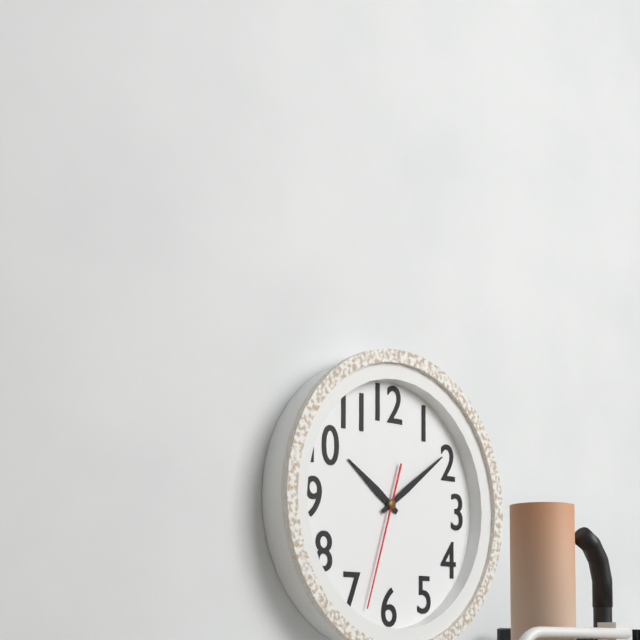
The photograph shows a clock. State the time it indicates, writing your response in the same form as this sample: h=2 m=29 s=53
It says h=10 m=9 s=33
